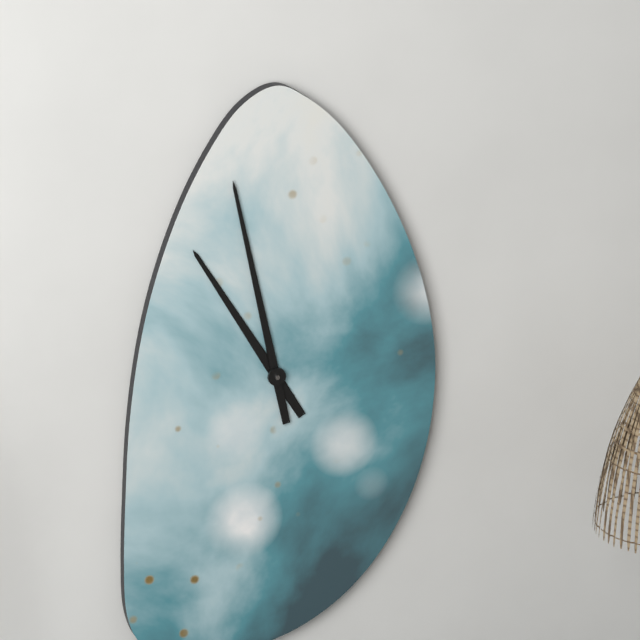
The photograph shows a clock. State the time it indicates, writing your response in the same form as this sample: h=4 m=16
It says h=10 m=58
